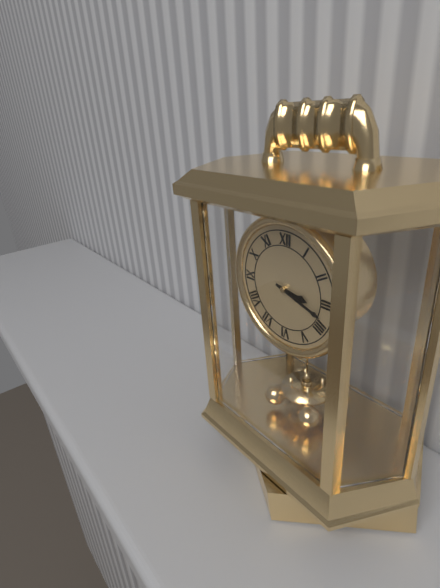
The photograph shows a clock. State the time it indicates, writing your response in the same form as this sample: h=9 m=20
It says h=3 m=18
